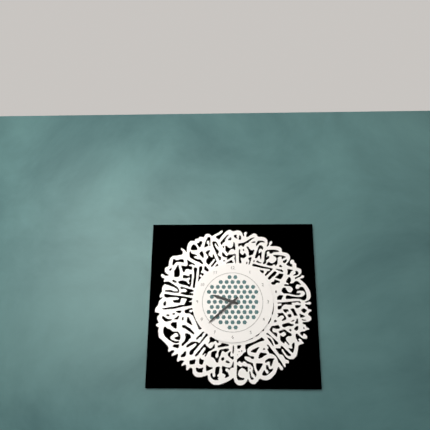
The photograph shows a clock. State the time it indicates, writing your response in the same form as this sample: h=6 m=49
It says h=9 m=38
